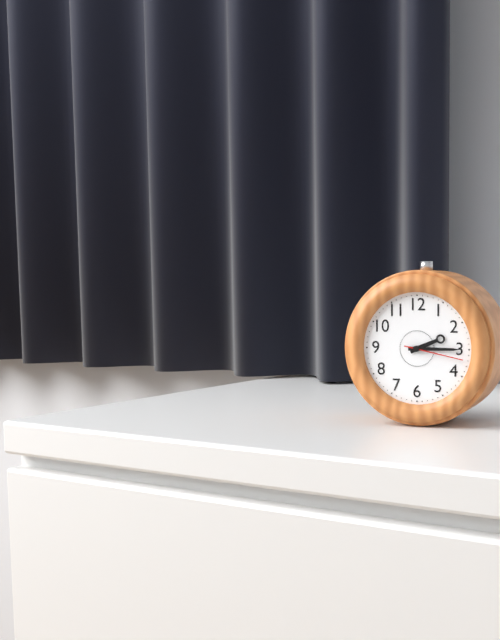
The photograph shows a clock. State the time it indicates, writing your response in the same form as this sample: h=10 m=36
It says h=2 m=15
